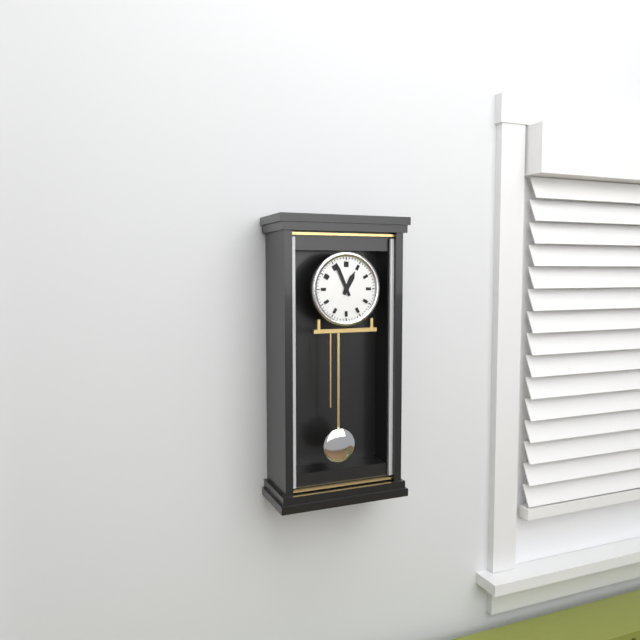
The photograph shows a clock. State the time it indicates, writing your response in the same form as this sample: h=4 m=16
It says h=12 m=56
